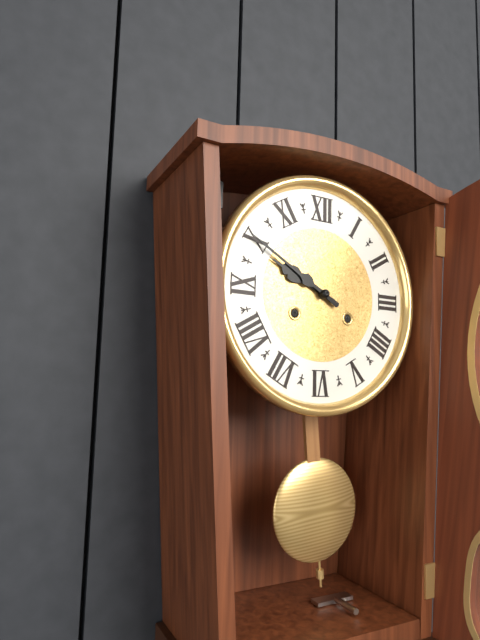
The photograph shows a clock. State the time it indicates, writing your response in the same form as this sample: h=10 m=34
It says h=9 m=50
